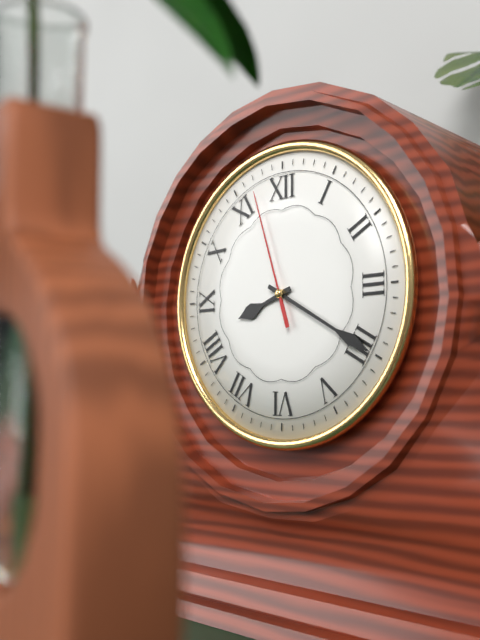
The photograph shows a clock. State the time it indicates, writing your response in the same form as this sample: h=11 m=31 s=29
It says h=8 m=20 s=57
